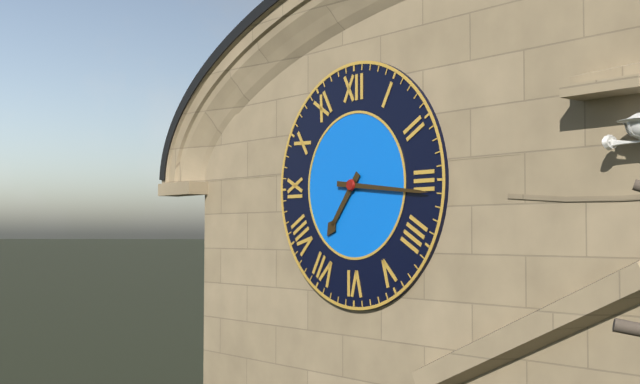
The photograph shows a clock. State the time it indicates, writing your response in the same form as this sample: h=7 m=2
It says h=7 m=16
